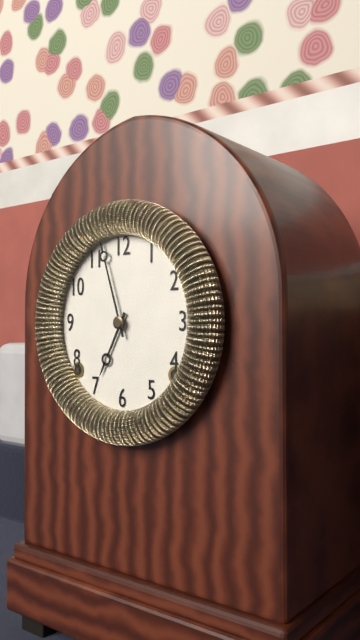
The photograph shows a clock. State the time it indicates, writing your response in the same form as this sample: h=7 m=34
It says h=6 m=57
